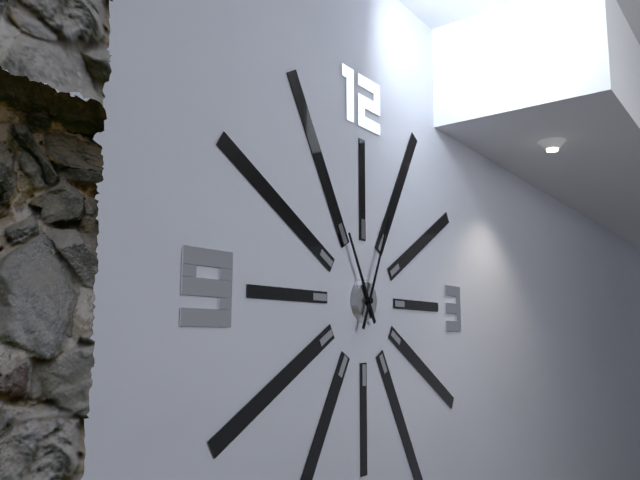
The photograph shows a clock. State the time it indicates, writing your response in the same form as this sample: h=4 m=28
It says h=11 m=4
